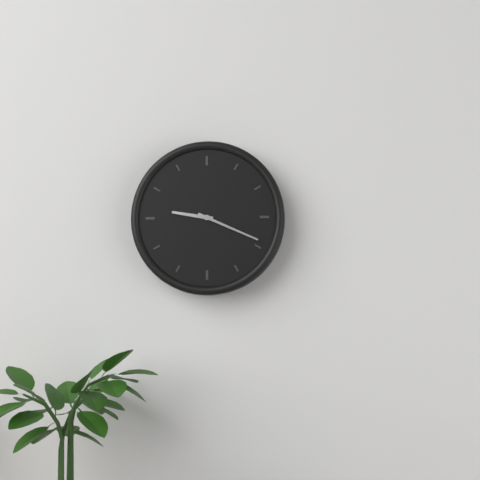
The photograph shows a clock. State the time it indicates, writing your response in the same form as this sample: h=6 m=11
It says h=9 m=19
